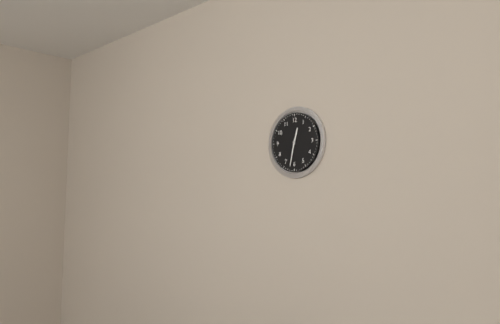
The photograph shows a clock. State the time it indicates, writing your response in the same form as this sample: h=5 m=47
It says h=12 m=32
